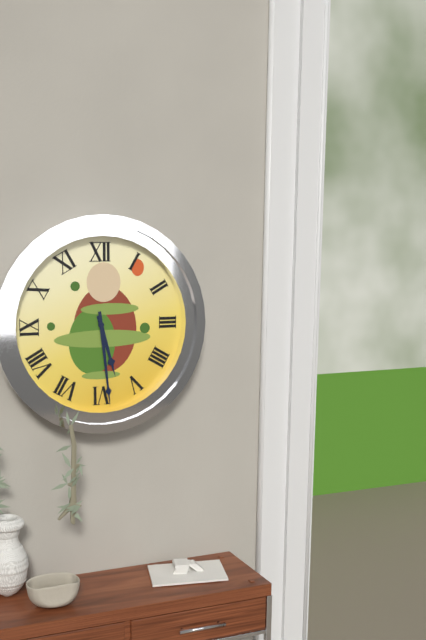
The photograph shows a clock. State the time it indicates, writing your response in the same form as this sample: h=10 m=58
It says h=5 m=29
